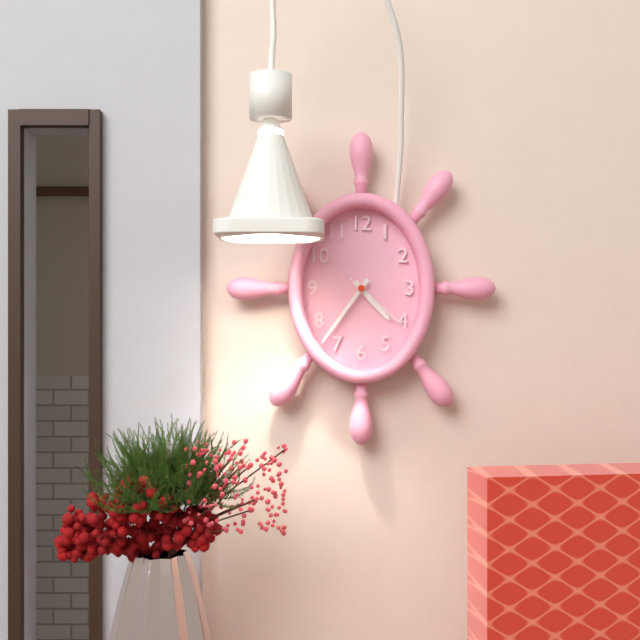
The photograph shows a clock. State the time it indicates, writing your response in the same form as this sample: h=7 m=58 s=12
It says h=4 m=36 s=22
